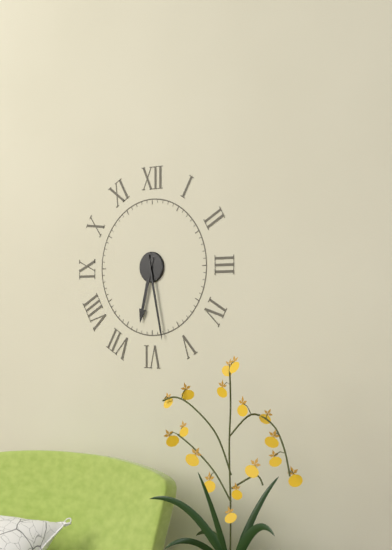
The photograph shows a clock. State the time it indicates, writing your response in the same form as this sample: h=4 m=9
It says h=6 m=28
